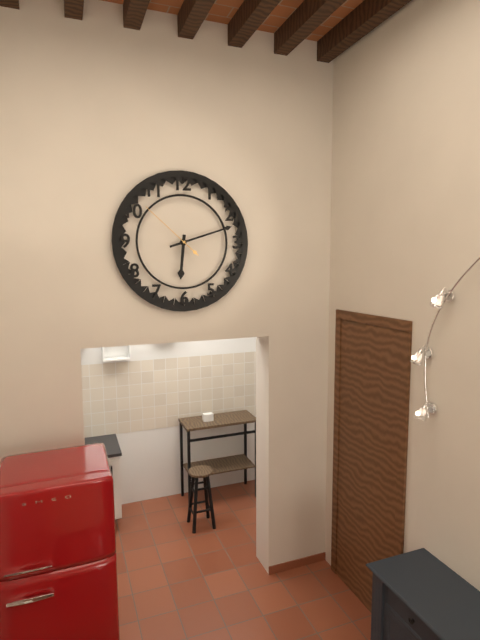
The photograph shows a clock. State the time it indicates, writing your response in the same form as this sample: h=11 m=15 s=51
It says h=6 m=12 s=52
